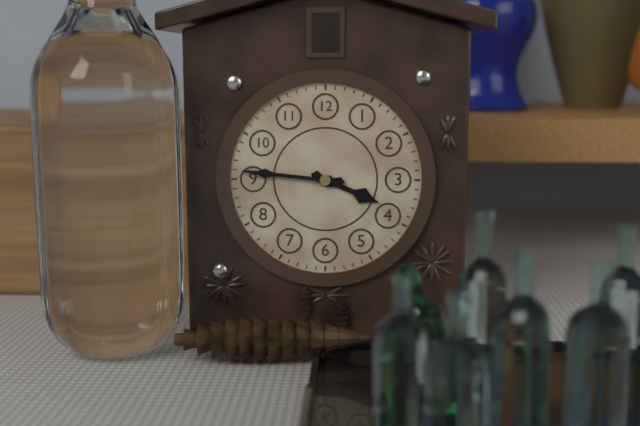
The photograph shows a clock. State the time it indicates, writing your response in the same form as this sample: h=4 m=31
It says h=3 m=46
